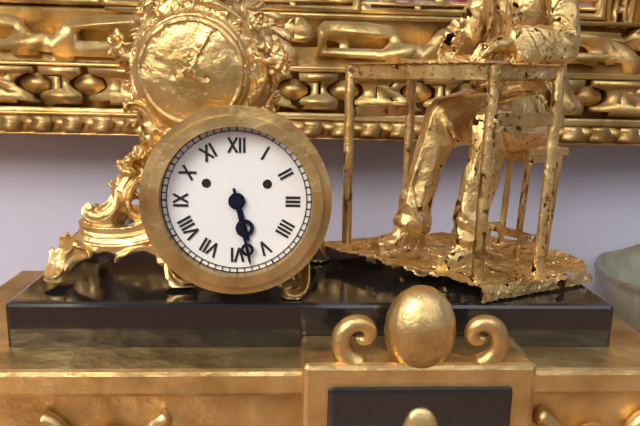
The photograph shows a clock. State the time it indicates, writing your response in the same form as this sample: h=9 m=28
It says h=5 m=28
